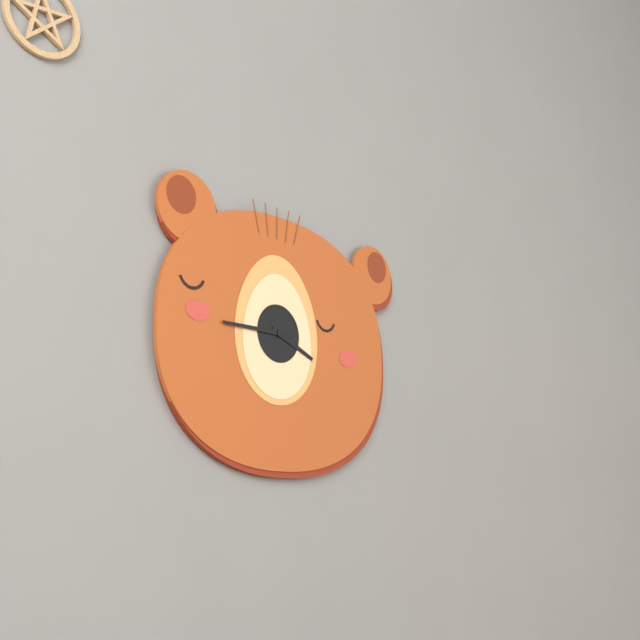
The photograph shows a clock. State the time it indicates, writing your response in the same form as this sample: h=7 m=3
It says h=3 m=45
